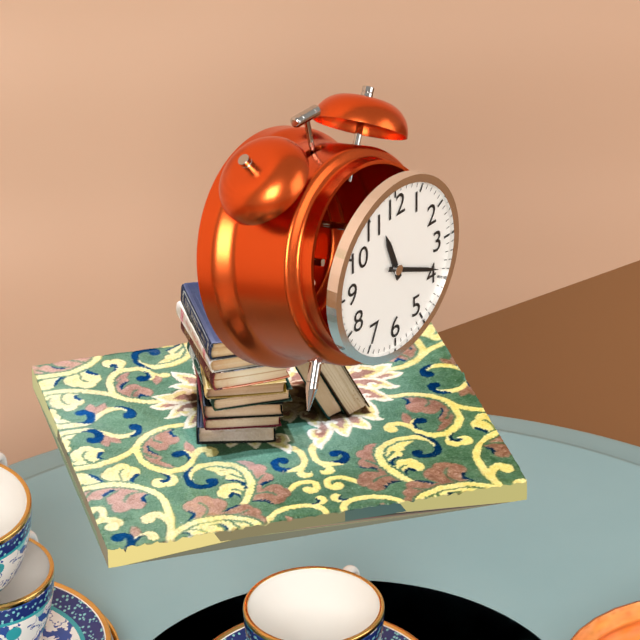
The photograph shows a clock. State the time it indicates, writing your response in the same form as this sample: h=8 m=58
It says h=11 m=19
